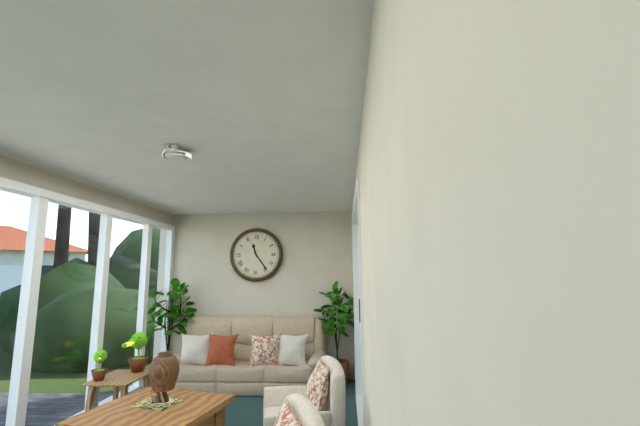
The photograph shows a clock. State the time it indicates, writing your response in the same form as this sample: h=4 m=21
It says h=11 m=24
